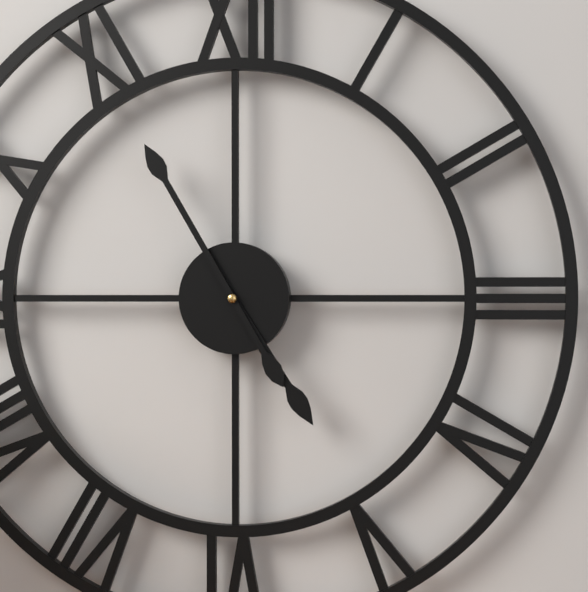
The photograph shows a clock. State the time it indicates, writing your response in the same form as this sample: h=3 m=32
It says h=4 m=55
